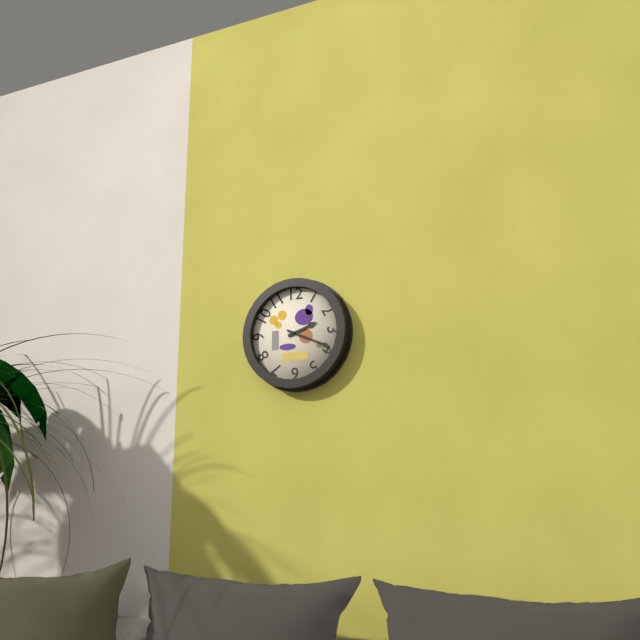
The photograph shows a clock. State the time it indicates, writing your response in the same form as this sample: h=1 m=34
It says h=2 m=19
